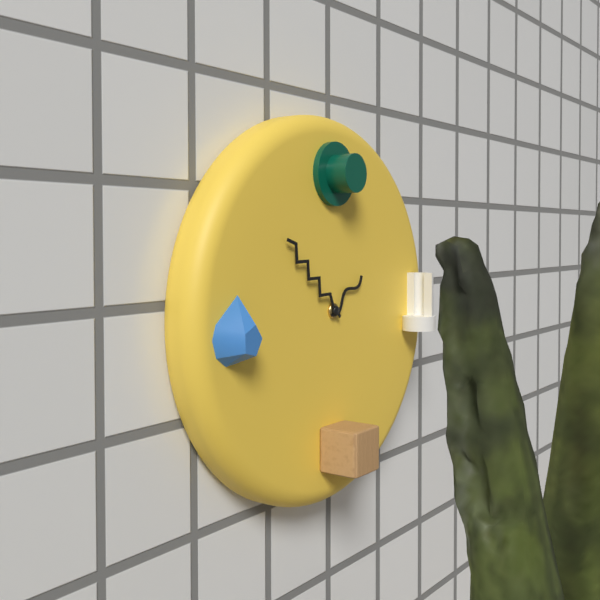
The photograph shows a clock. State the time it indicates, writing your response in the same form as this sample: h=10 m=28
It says h=1 m=52
